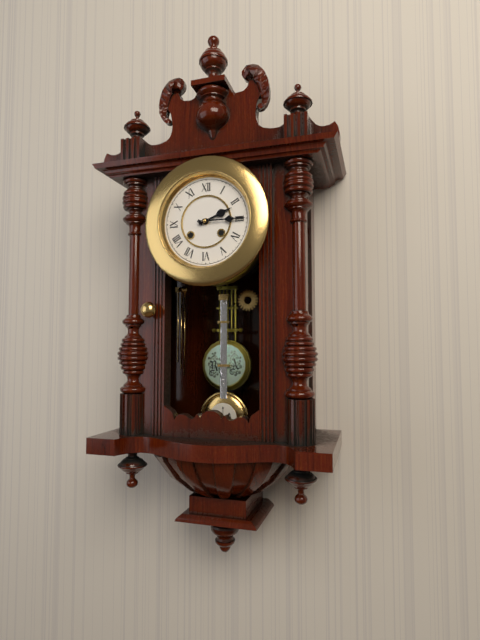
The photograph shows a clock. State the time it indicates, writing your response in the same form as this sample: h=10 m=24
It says h=2 m=15
